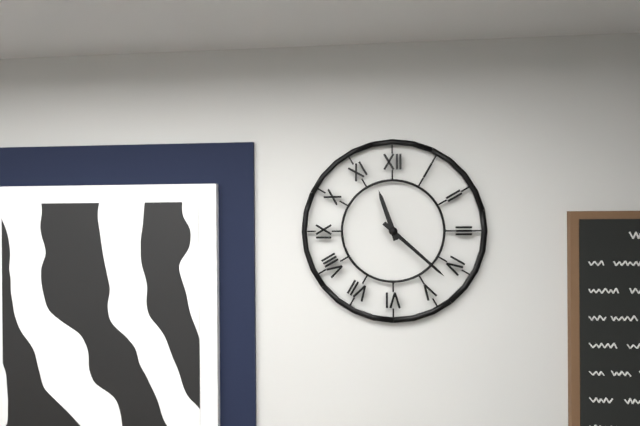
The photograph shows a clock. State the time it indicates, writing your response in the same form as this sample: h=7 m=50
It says h=11 m=22
